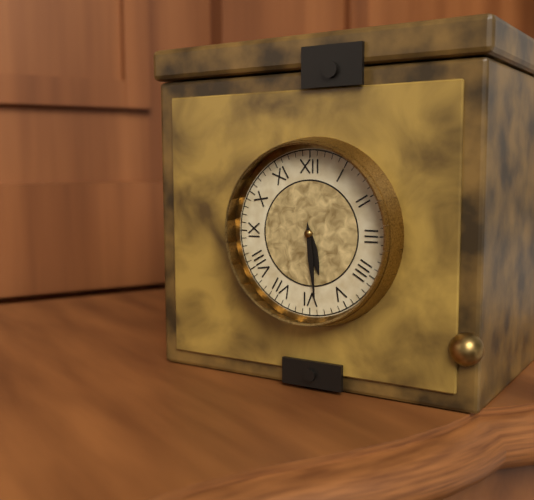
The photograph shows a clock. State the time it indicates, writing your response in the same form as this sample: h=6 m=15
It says h=5 m=29
